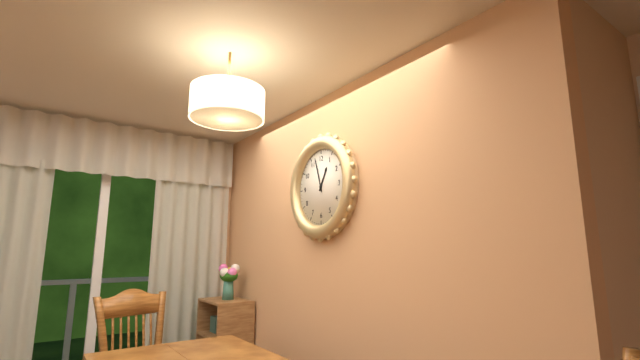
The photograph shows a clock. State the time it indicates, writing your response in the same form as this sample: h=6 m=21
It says h=12 m=57
